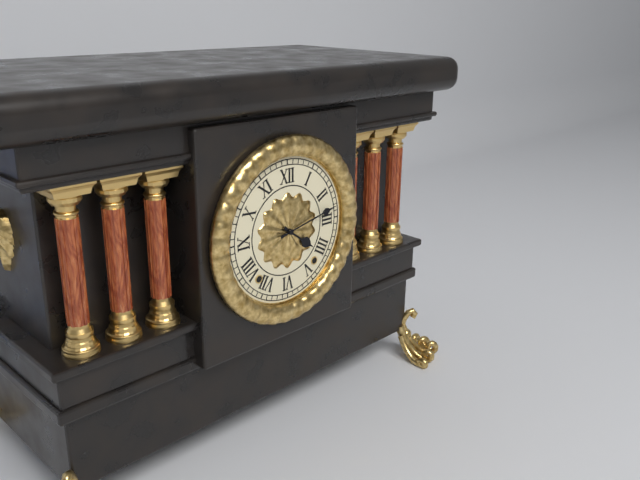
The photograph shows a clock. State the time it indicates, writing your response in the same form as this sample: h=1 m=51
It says h=4 m=13
